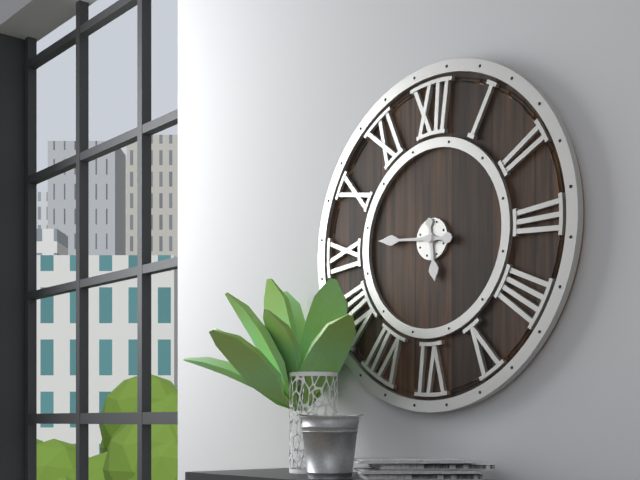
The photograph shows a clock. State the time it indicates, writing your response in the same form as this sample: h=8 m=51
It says h=5 m=46
